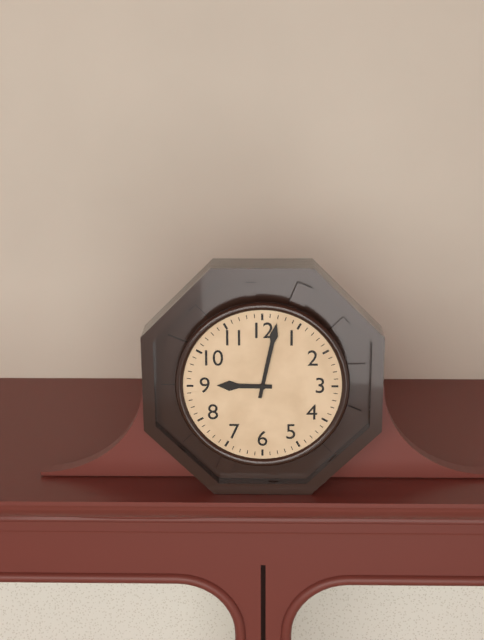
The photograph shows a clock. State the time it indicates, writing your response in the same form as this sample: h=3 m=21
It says h=9 m=2
